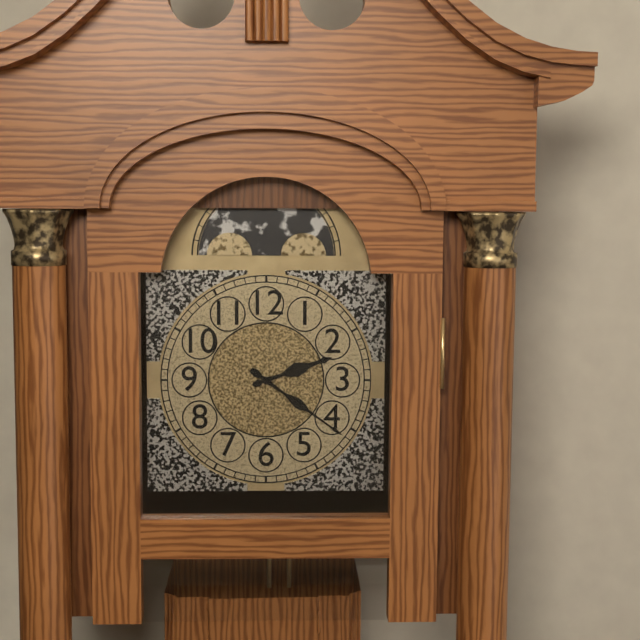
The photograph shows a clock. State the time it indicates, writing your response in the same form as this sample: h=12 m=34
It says h=2 m=21
